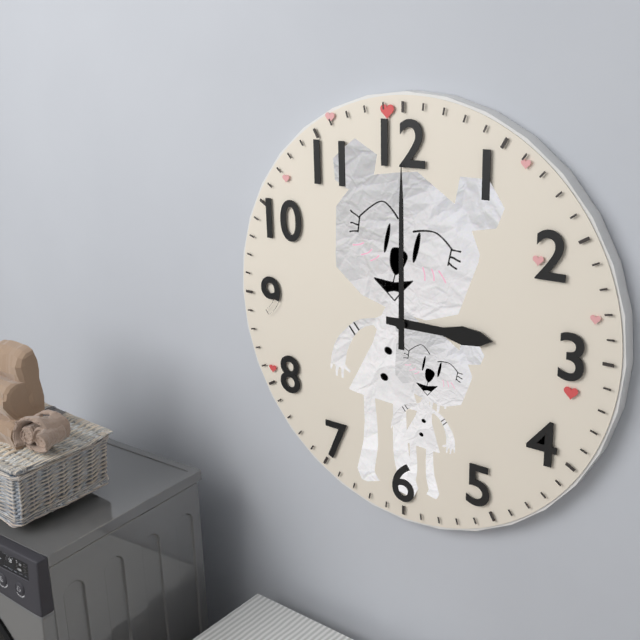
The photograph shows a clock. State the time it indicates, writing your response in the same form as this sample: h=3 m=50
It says h=3 m=0
